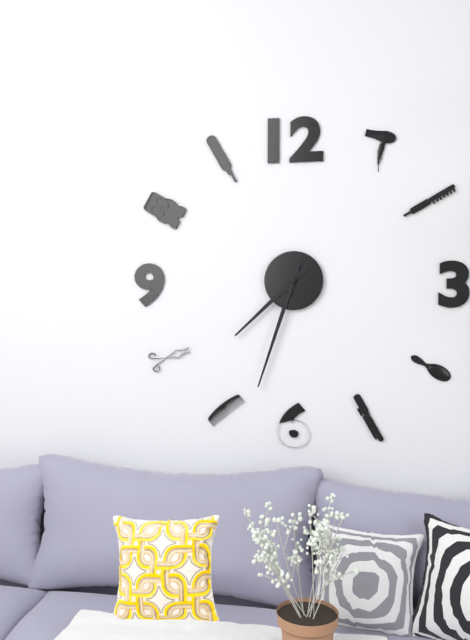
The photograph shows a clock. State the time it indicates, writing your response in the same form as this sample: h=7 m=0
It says h=7 m=33
